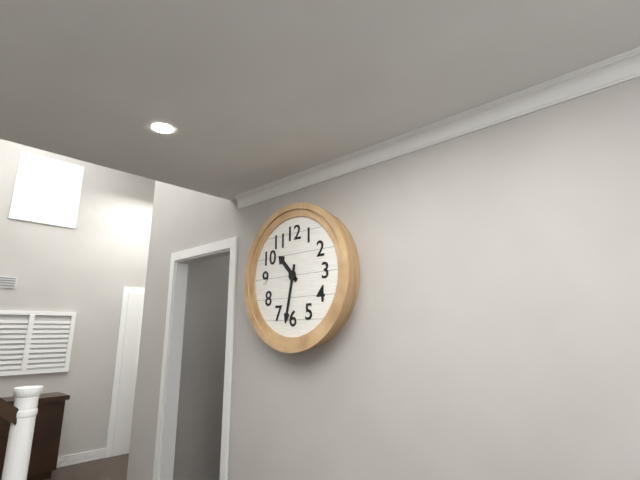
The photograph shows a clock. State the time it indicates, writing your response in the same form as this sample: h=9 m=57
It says h=10 m=32
